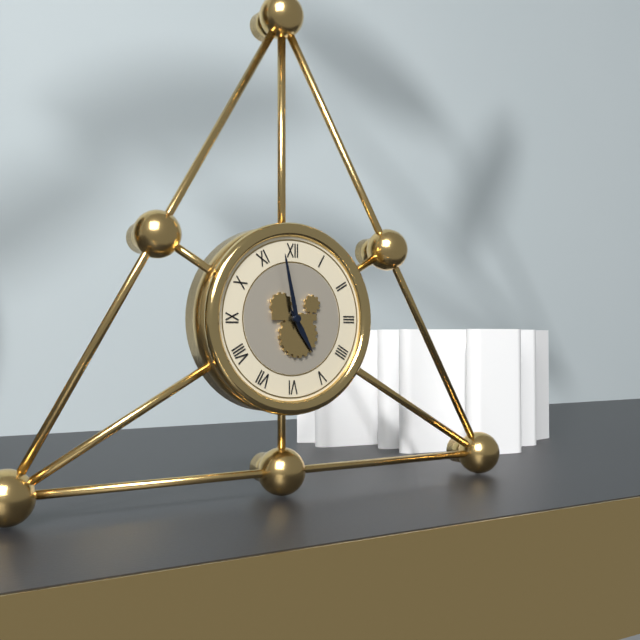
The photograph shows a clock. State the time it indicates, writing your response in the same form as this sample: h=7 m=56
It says h=4 m=58
